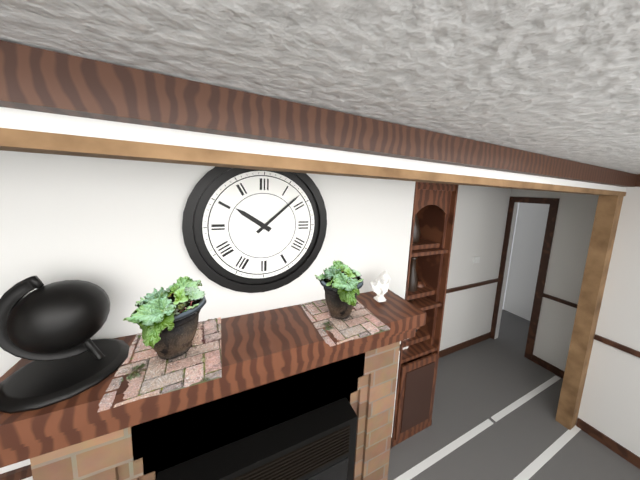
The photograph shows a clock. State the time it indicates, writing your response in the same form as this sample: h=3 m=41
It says h=10 m=8
